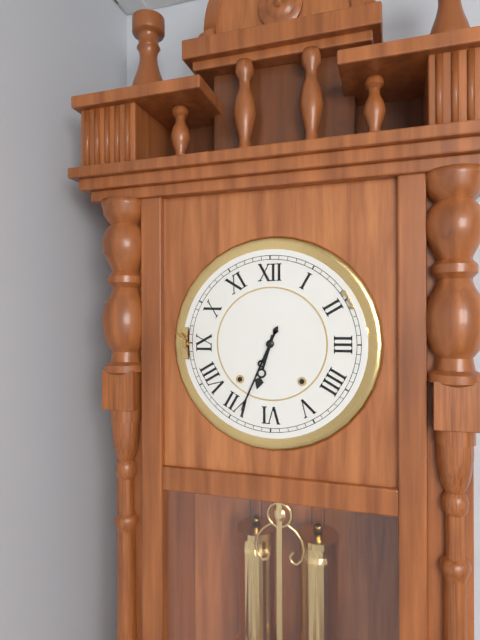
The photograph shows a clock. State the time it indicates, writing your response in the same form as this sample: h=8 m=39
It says h=6 m=34
